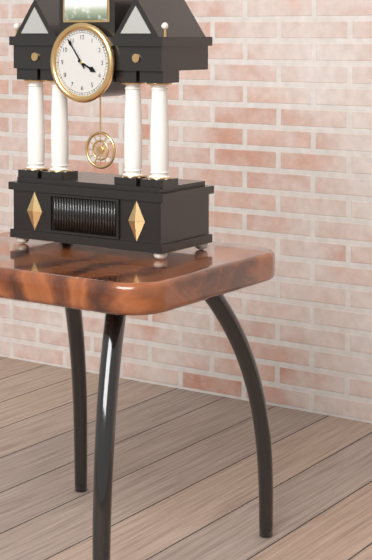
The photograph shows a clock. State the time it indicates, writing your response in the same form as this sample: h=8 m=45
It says h=3 m=54
